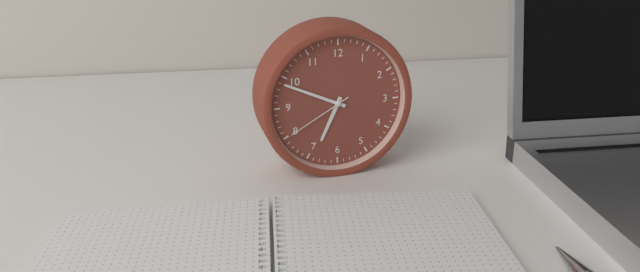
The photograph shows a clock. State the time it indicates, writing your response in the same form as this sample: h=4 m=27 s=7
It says h=6 m=49 s=40
